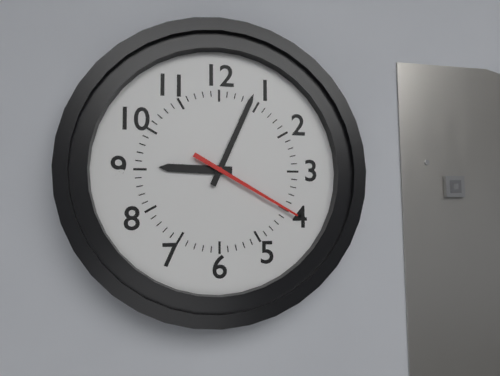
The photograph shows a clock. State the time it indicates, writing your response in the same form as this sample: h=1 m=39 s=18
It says h=9 m=4 s=20
